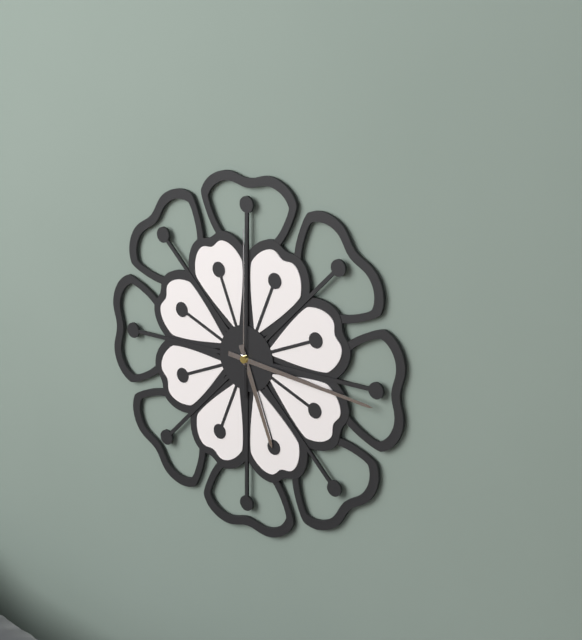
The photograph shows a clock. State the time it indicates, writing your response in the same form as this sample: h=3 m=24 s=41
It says h=5 m=16 s=0
